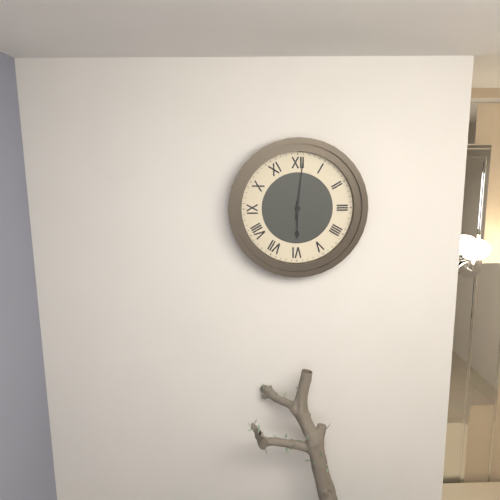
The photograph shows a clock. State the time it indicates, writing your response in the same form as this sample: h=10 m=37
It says h=6 m=1
